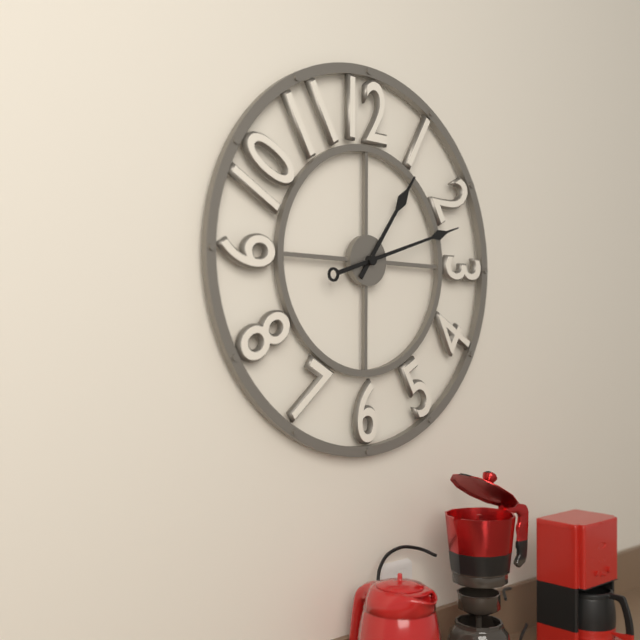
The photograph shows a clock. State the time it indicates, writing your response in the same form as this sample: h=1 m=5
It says h=1 m=12
